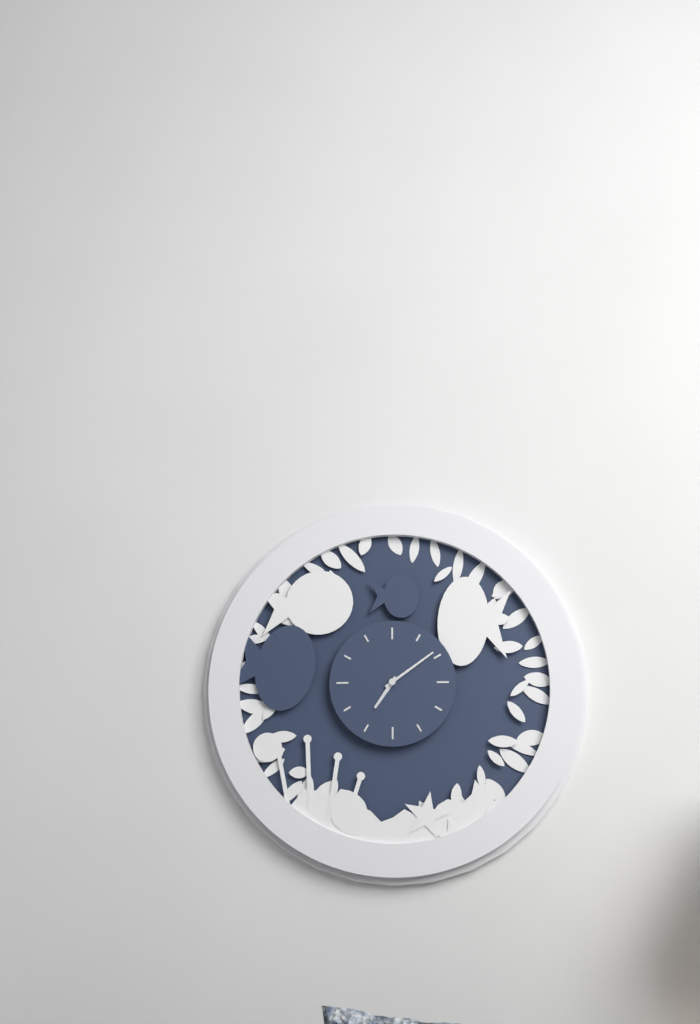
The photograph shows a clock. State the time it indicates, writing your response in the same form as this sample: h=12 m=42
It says h=7 m=9
